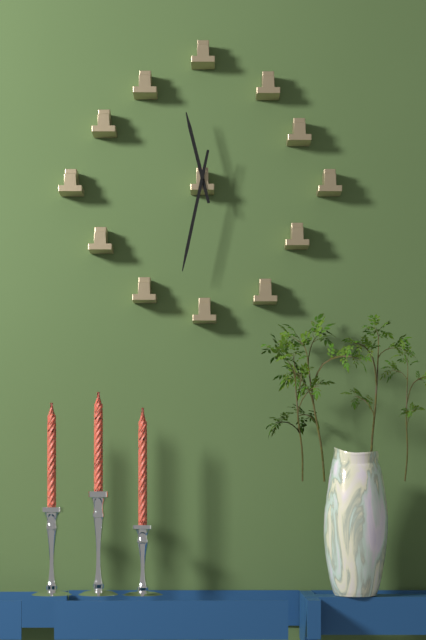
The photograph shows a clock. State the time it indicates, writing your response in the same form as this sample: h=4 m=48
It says h=11 m=32
